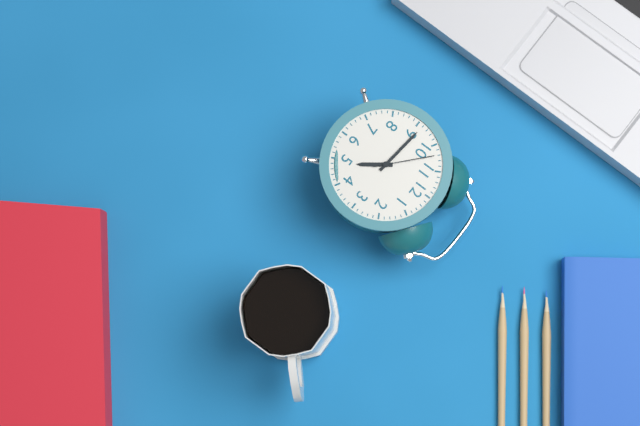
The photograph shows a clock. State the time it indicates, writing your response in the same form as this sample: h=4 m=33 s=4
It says h=4 m=46 s=52
